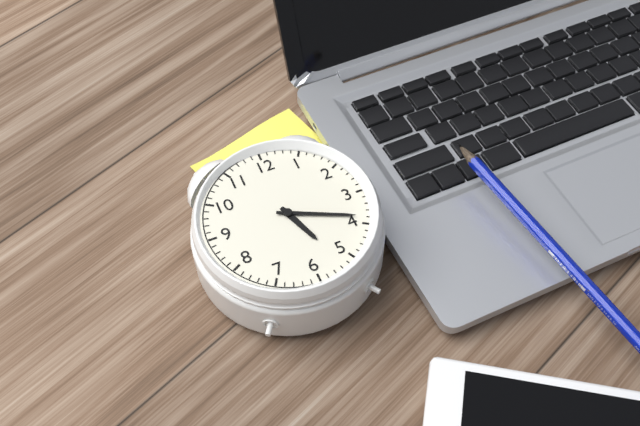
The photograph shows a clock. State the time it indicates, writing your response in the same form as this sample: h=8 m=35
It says h=5 m=19
